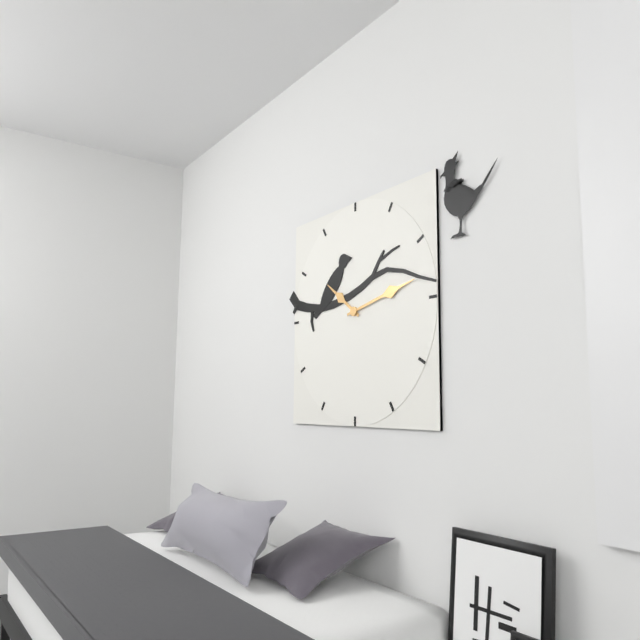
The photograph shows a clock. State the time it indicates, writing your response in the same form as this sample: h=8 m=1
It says h=10 m=13
